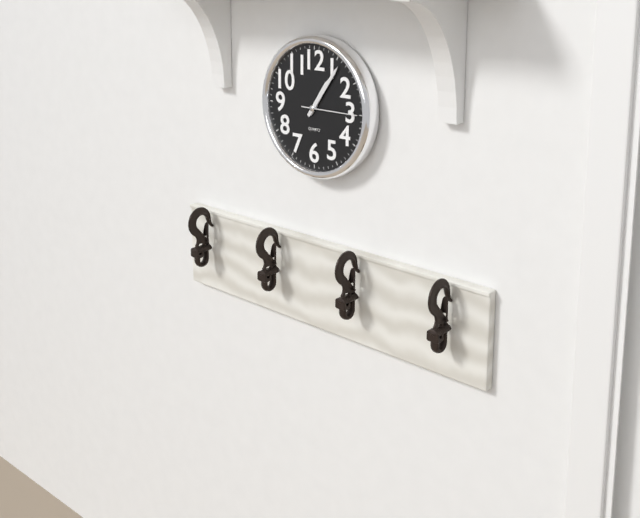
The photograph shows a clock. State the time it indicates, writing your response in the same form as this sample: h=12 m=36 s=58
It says h=1 m=6 s=15
